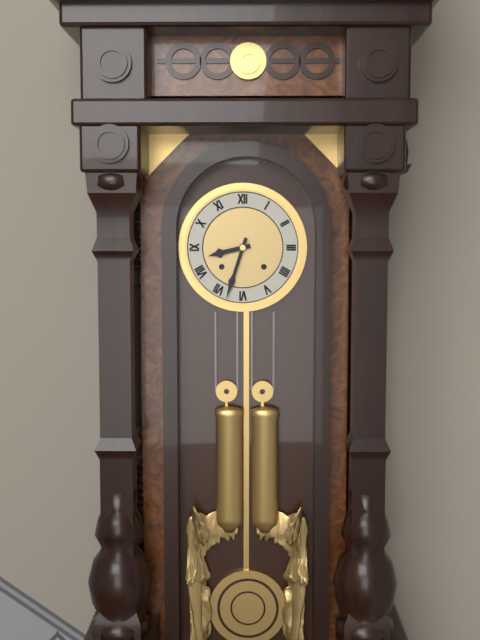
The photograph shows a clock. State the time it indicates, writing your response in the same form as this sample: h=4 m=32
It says h=8 m=33
